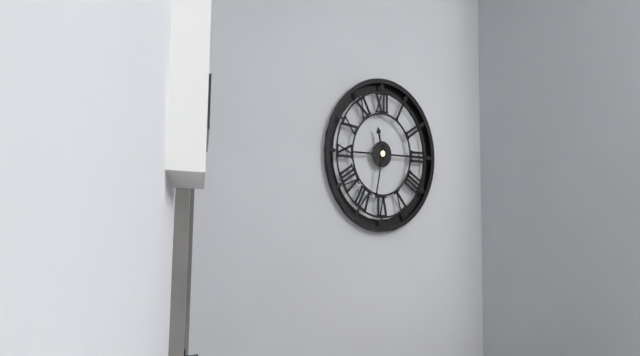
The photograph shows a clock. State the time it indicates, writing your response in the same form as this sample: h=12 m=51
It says h=11 m=32
